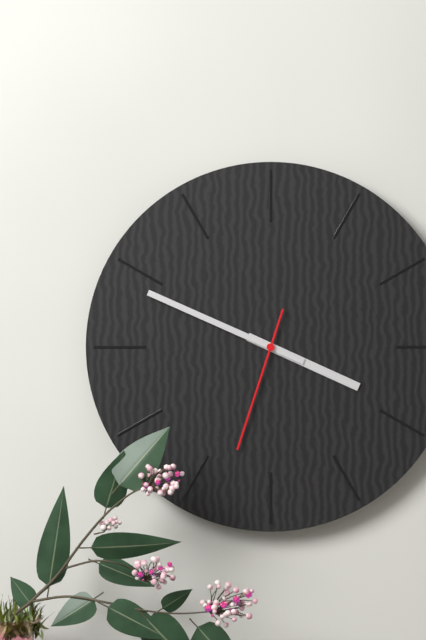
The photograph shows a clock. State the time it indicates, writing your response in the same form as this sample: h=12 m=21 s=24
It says h=3 m=49 s=33
